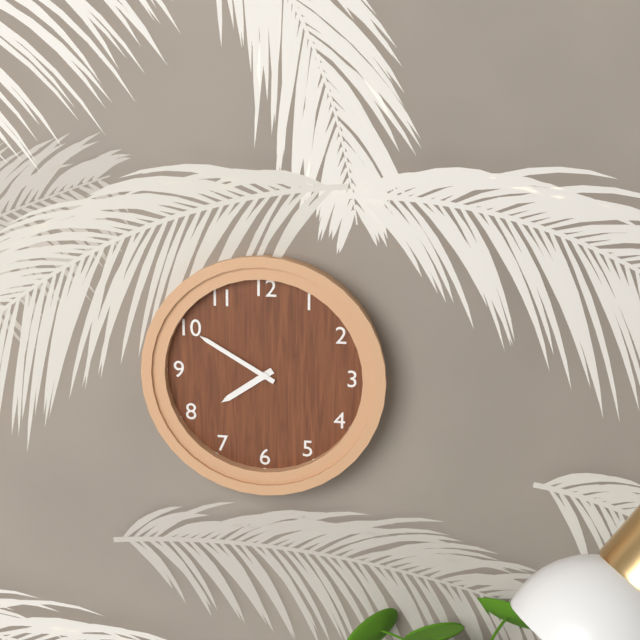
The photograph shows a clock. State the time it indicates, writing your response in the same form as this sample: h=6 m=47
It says h=7 m=50
